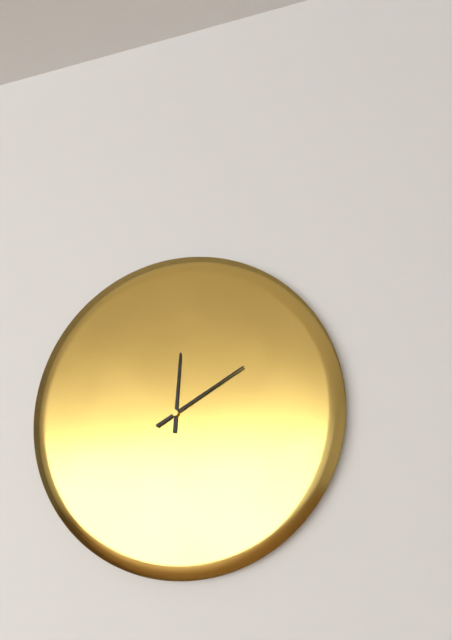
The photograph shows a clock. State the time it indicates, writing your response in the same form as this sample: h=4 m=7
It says h=12 m=10
